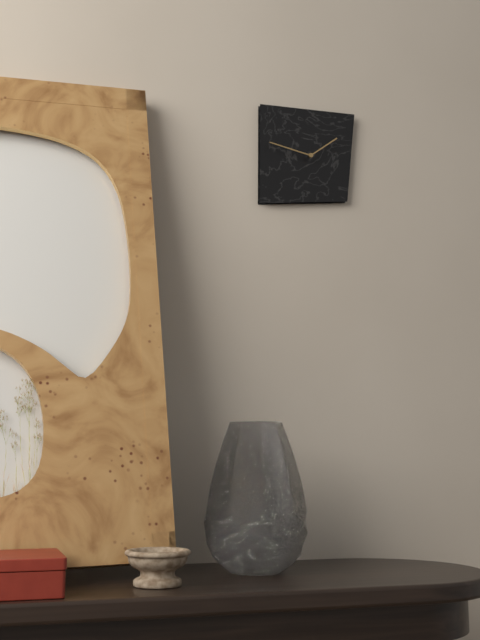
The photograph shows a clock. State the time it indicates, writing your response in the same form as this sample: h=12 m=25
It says h=1 m=47
